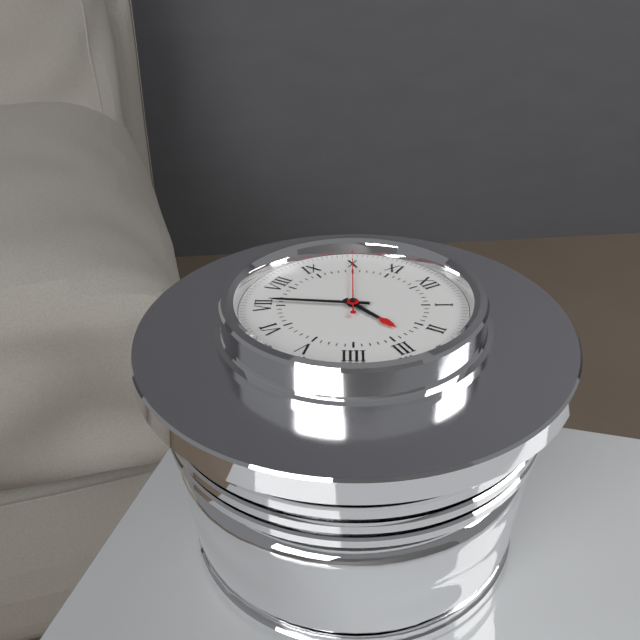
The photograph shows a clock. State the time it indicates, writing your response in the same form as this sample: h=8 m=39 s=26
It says h=2 m=36 s=50
